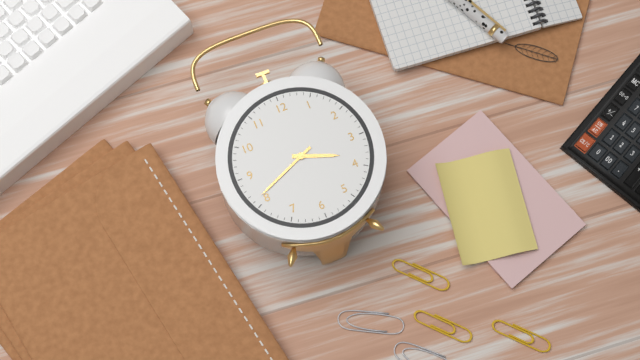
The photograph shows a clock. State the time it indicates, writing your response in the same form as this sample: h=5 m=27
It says h=3 m=41
